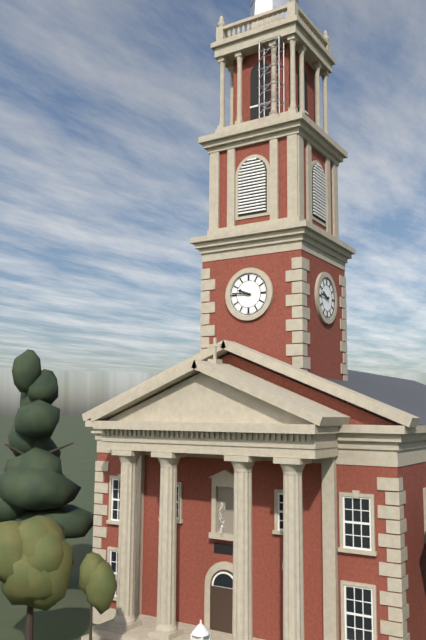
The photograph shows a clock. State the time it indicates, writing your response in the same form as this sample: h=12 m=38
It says h=9 m=46
